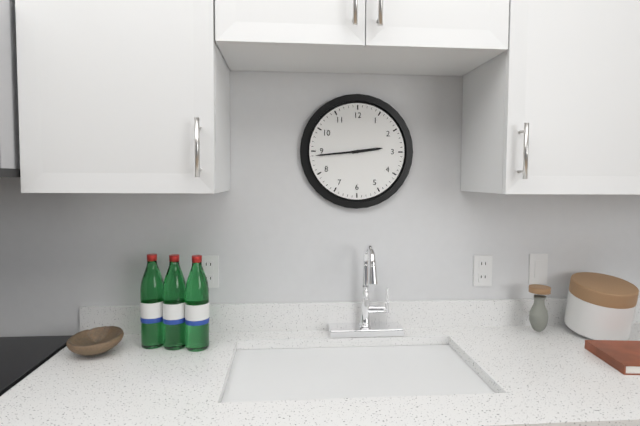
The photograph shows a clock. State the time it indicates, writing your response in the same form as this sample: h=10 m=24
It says h=2 m=44
